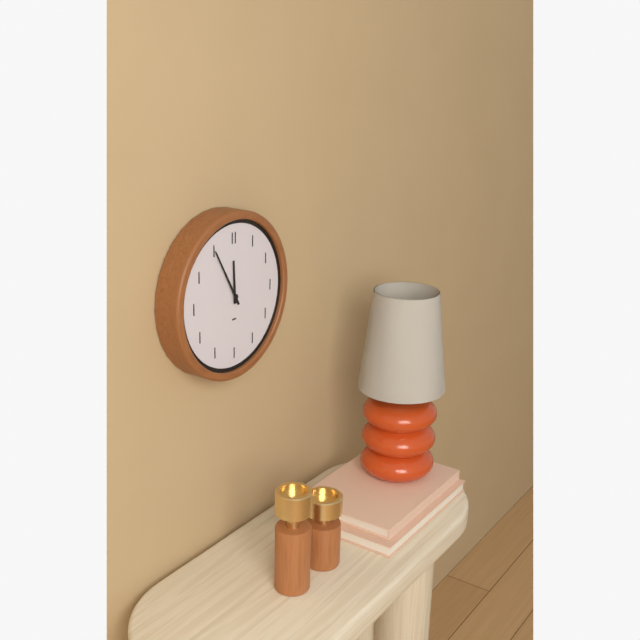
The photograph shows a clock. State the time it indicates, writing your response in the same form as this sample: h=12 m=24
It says h=11 m=55
